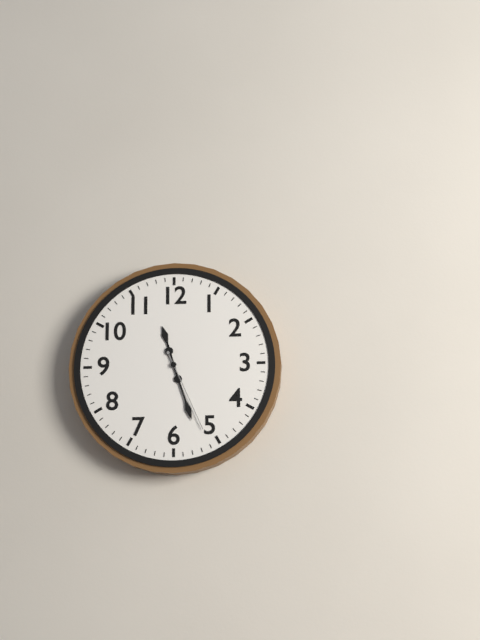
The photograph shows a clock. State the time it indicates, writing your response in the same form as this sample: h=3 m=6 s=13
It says h=11 m=27 s=26
